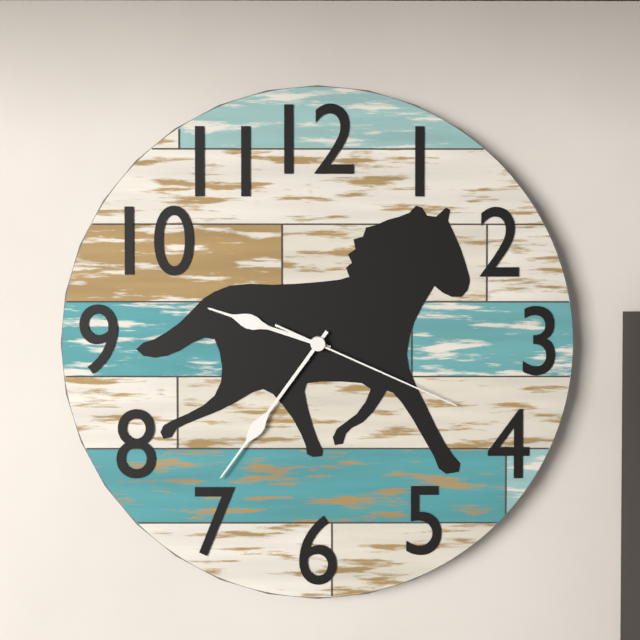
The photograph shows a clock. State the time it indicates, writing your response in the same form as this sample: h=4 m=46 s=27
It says h=9 m=36 s=19
